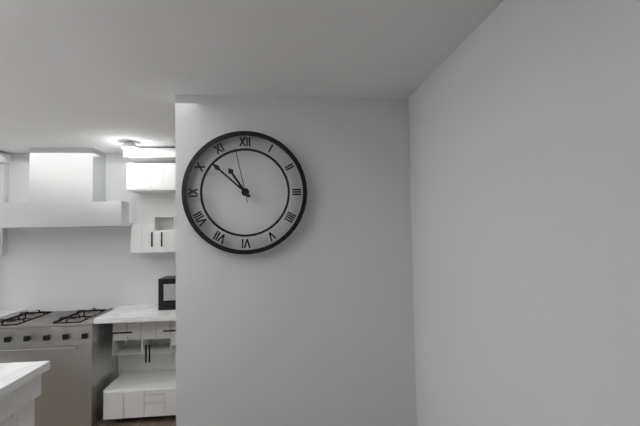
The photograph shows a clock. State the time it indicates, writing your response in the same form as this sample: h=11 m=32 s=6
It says h=10 m=52 s=58
